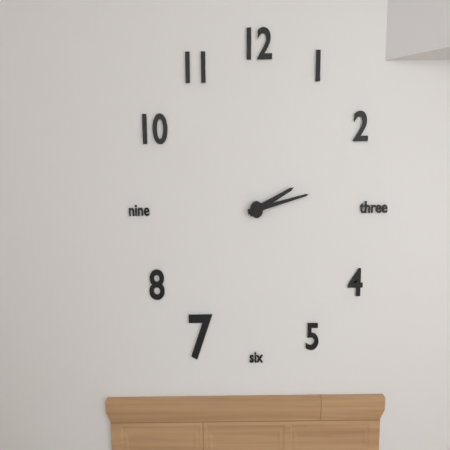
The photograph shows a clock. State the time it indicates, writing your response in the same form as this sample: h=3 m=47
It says h=2 m=13
